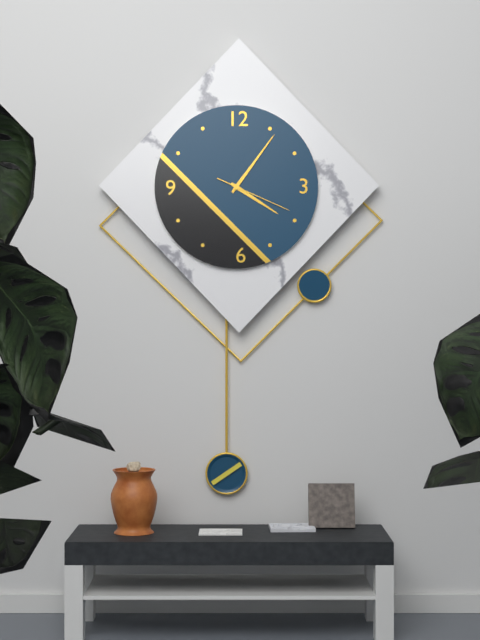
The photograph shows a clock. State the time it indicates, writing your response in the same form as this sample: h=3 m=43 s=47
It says h=4 m=6 s=19
